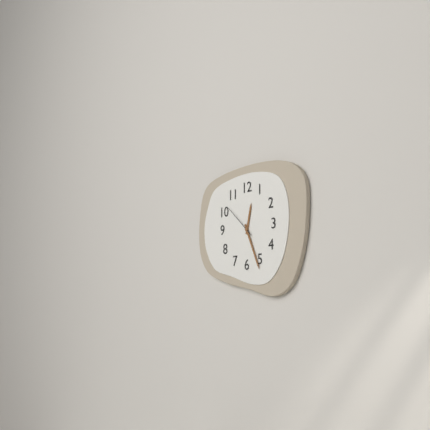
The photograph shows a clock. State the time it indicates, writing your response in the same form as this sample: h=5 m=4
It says h=12 m=26
